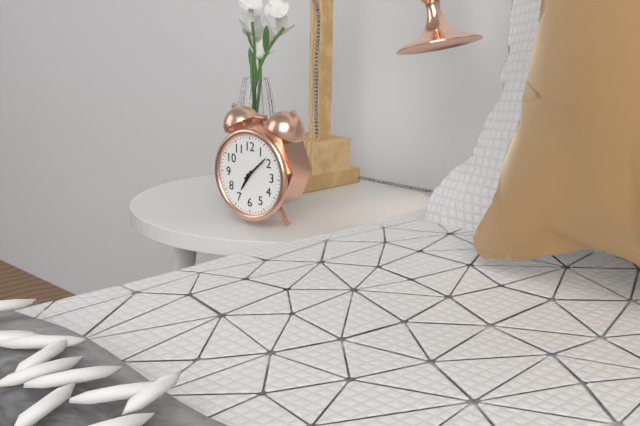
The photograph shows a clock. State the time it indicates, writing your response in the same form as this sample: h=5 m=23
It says h=7 m=8
